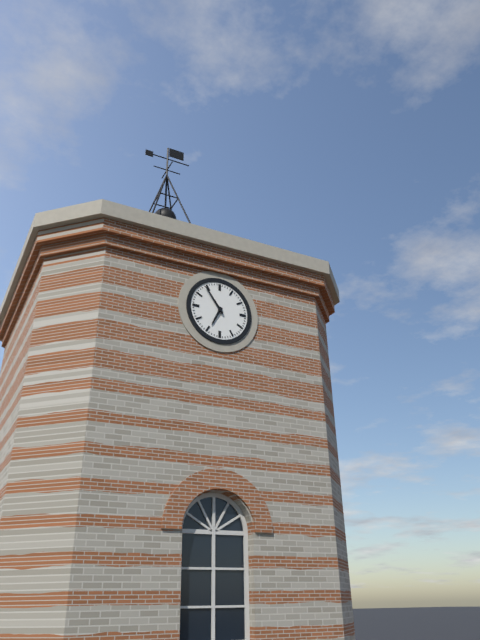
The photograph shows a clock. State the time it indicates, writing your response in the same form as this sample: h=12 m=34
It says h=6 m=54
